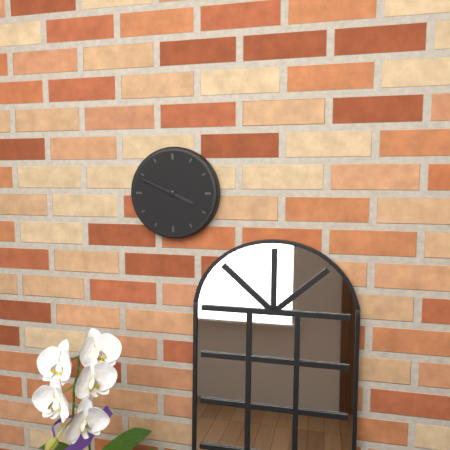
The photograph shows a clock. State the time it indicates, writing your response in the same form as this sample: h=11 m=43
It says h=3 m=49
